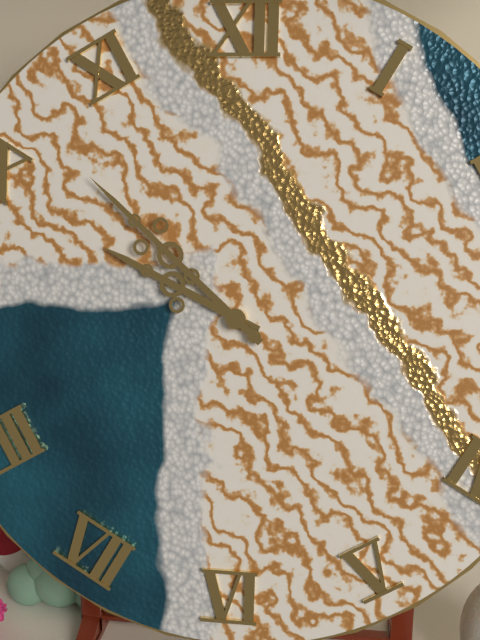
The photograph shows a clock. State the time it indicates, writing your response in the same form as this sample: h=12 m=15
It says h=9 m=52
